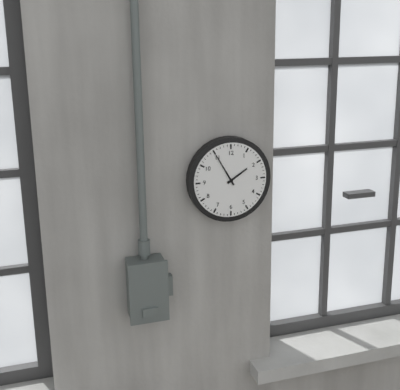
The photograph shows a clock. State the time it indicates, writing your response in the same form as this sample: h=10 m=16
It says h=1 m=55
